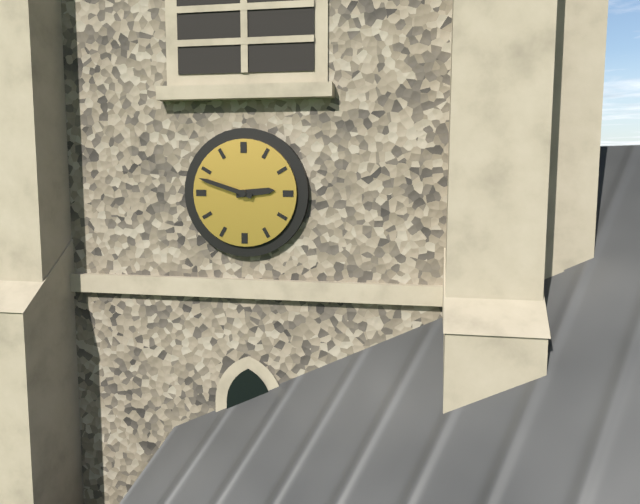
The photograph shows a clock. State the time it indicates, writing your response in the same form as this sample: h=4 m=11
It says h=2 m=48
